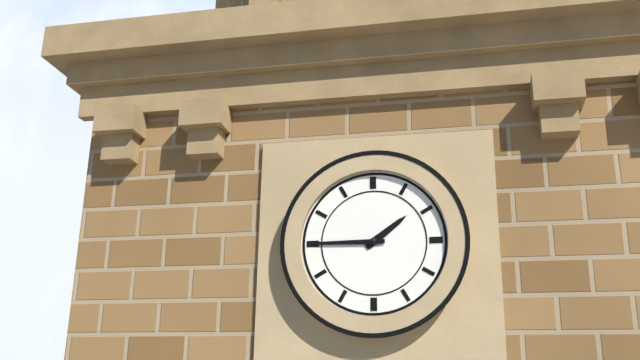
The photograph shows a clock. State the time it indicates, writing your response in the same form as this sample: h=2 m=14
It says h=1 m=45
